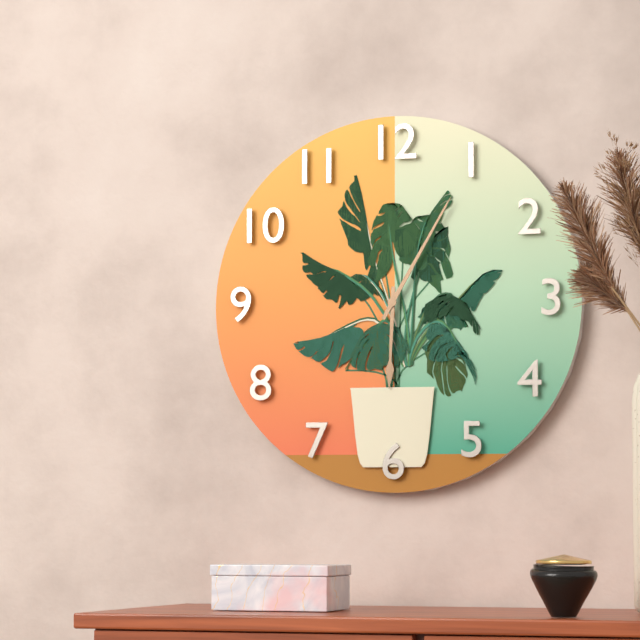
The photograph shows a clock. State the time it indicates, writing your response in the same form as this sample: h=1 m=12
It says h=6 m=5
